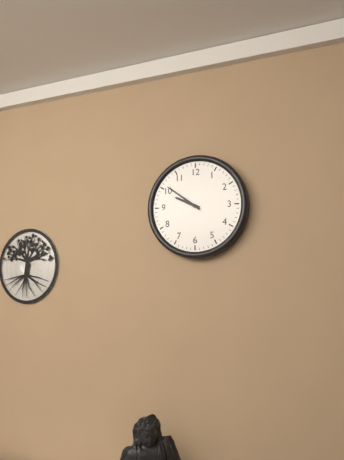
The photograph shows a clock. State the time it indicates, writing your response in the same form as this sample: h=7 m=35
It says h=9 m=51
